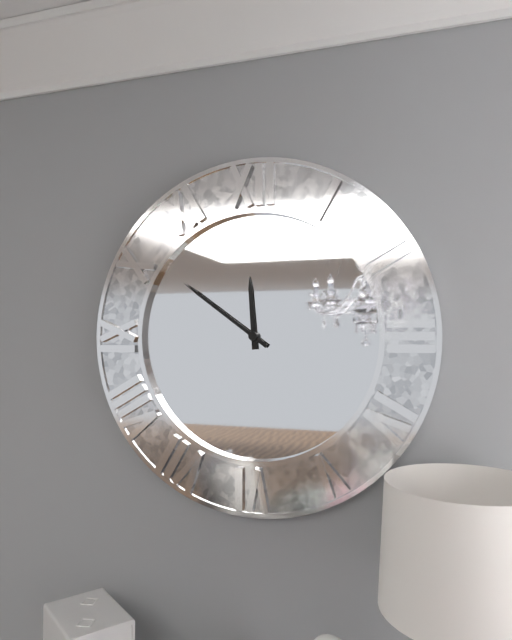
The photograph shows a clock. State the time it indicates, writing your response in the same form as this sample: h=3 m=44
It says h=11 m=51
